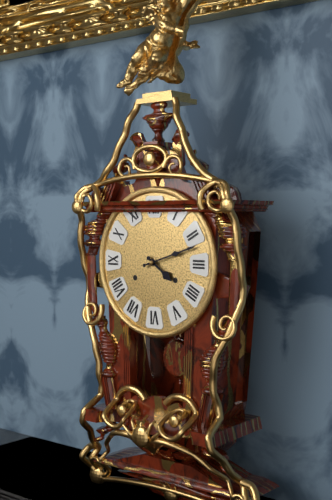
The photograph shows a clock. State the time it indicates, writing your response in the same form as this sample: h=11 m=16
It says h=4 m=12
